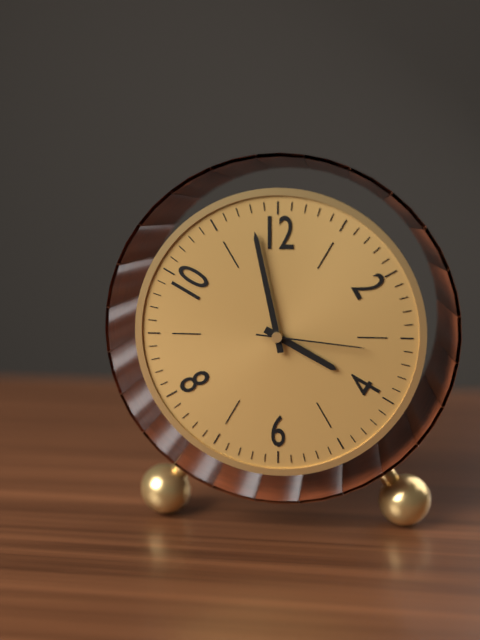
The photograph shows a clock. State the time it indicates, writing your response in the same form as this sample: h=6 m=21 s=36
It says h=3 m=58 s=16
